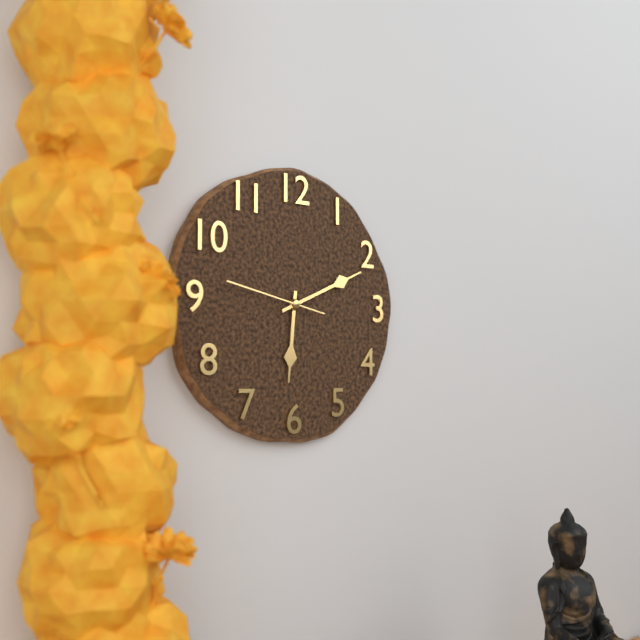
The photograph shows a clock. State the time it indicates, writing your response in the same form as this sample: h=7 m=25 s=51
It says h=6 m=11 s=47
